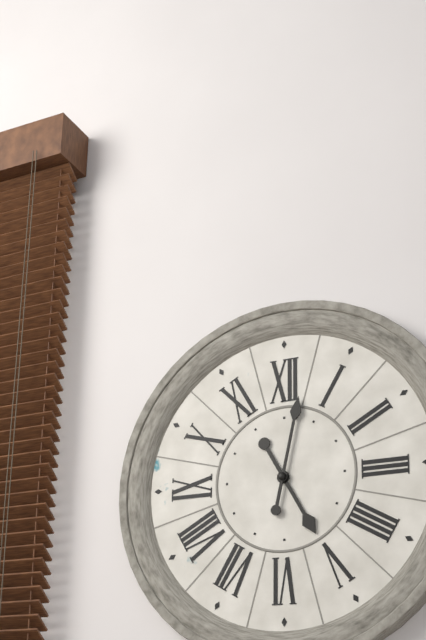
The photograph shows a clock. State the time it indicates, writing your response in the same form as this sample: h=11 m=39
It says h=5 m=2
